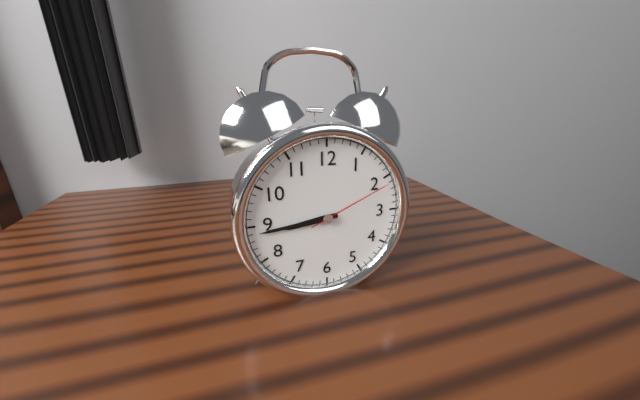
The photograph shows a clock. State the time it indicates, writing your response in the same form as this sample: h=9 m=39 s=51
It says h=8 m=44 s=11
